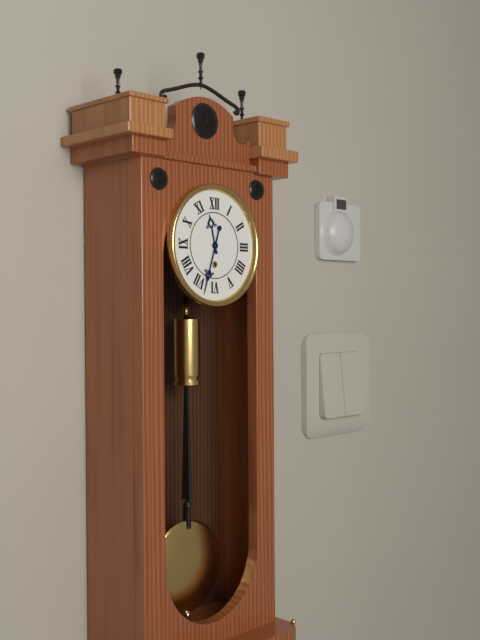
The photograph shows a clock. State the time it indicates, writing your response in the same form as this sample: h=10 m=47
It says h=11 m=33
